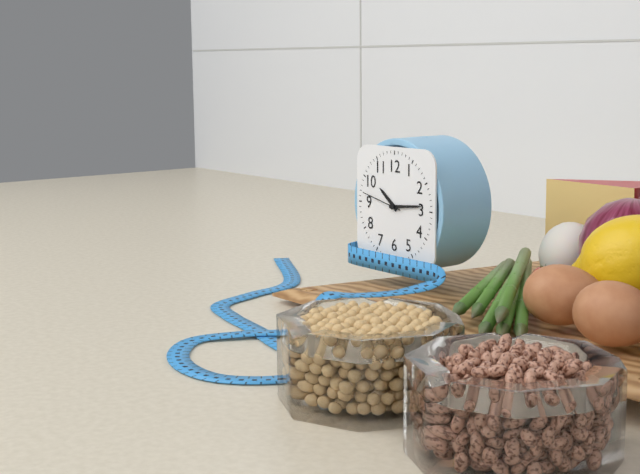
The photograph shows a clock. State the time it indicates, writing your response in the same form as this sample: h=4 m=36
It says h=10 m=14
